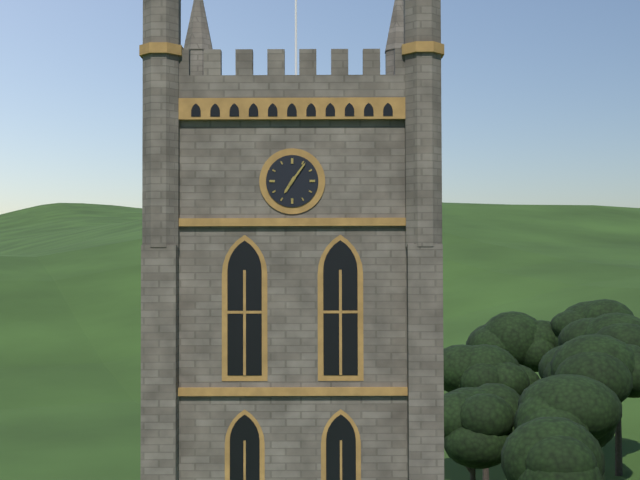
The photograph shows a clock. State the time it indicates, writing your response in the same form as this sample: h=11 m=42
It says h=7 m=6
